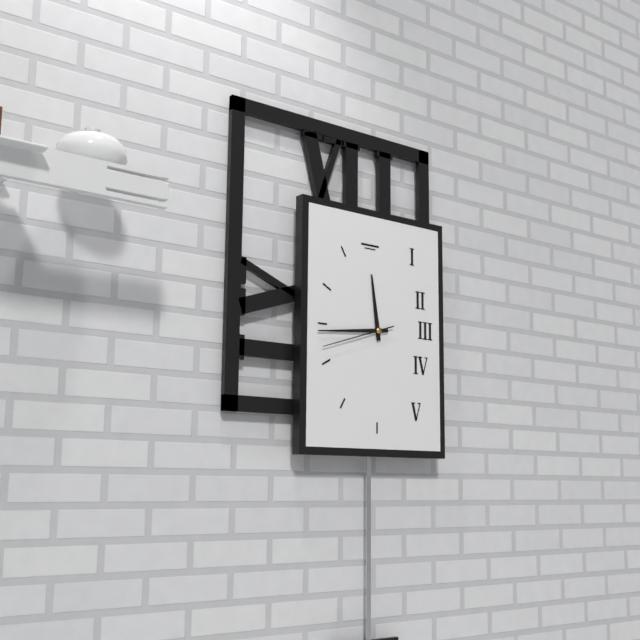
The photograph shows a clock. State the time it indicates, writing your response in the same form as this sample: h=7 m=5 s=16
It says h=11 m=44 s=42
